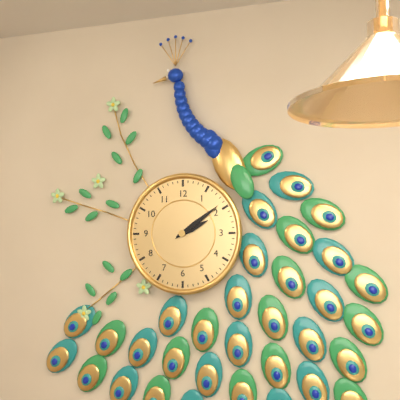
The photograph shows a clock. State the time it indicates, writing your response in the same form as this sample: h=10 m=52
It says h=2 m=9
